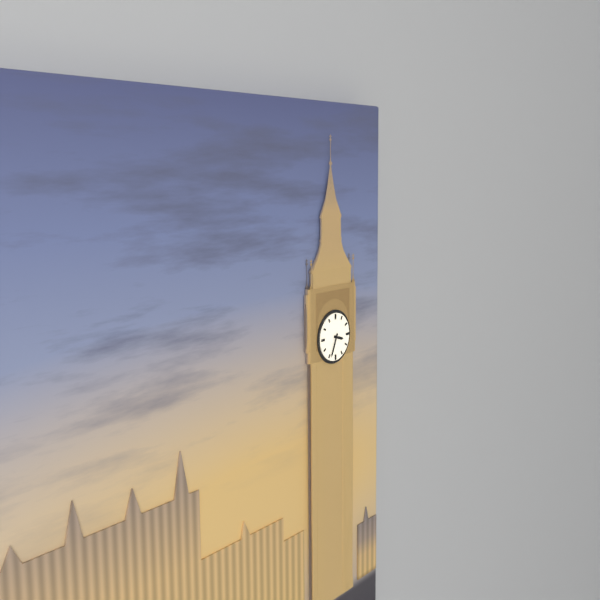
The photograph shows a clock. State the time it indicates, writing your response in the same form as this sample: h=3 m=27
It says h=3 m=34
